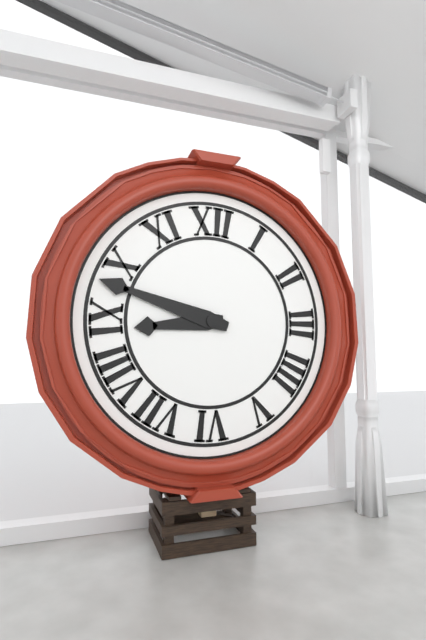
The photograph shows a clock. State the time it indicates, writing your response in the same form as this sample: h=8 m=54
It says h=8 m=48
